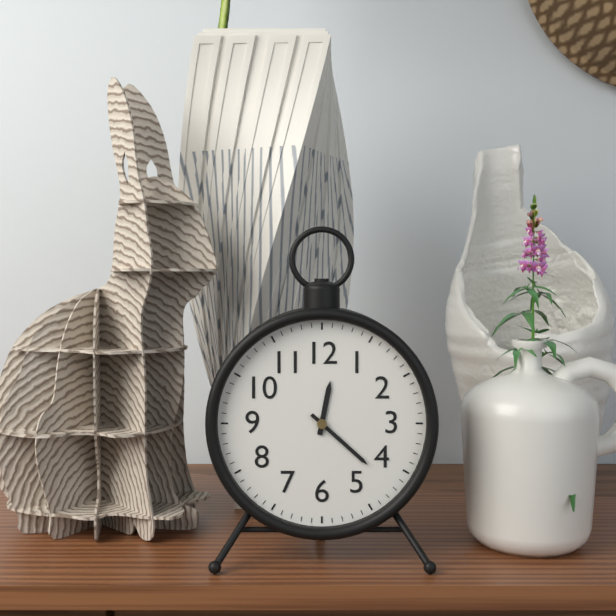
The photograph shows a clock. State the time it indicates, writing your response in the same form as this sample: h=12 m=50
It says h=12 m=22
